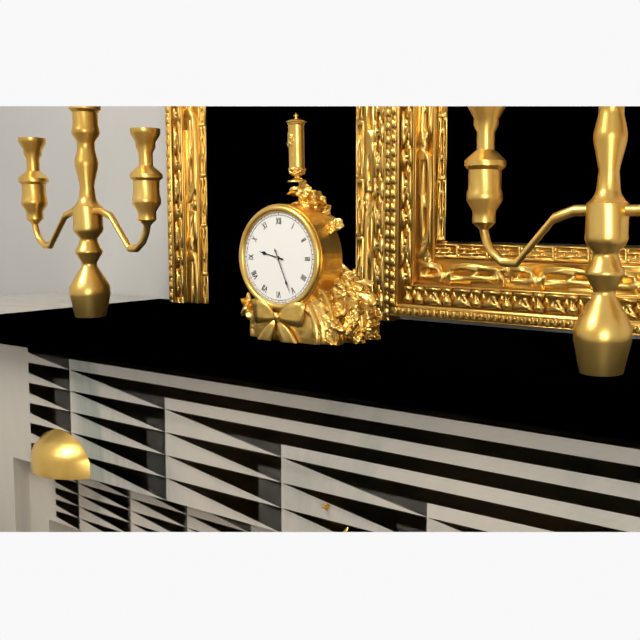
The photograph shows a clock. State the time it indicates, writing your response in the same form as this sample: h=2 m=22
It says h=9 m=26
